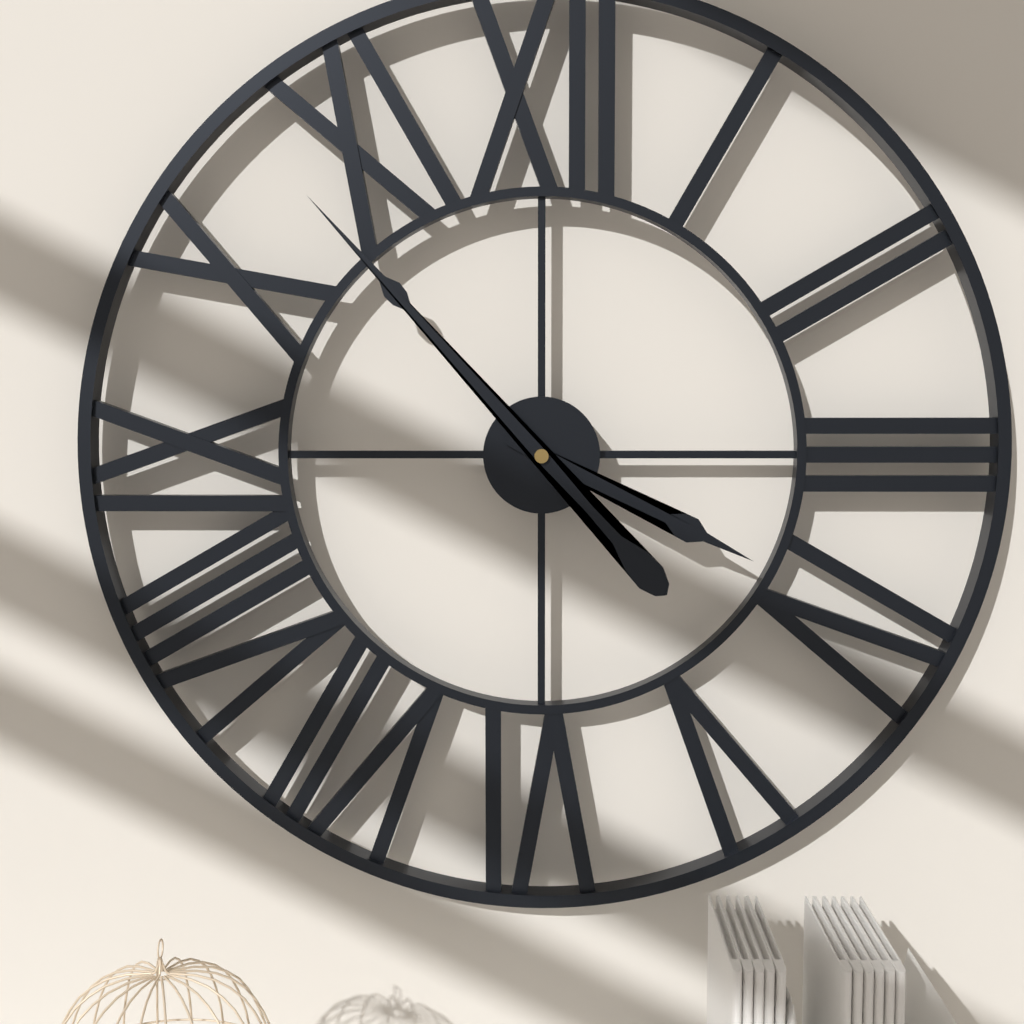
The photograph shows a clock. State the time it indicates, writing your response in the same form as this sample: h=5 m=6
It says h=3 m=53
